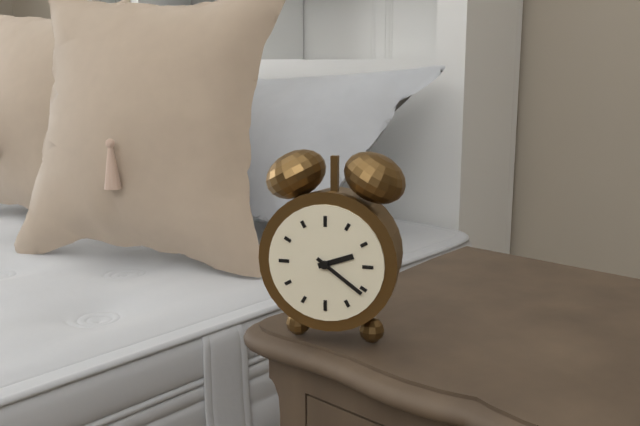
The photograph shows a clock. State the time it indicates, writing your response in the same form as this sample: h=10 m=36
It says h=2 m=21
